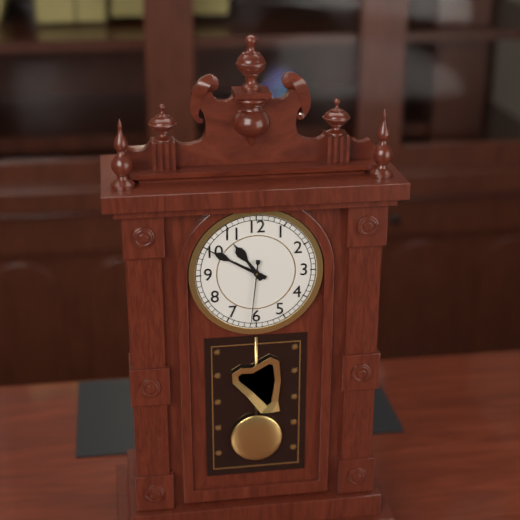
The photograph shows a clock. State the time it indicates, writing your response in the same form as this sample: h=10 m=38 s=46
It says h=10 m=50 s=31
